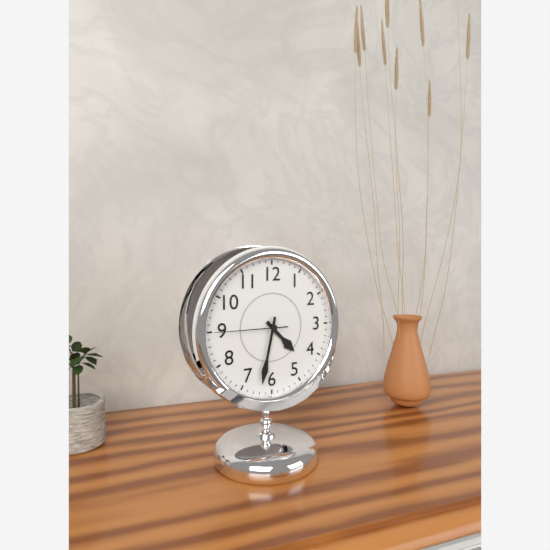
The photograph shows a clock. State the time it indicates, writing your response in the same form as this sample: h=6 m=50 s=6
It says h=4 m=32 s=45
